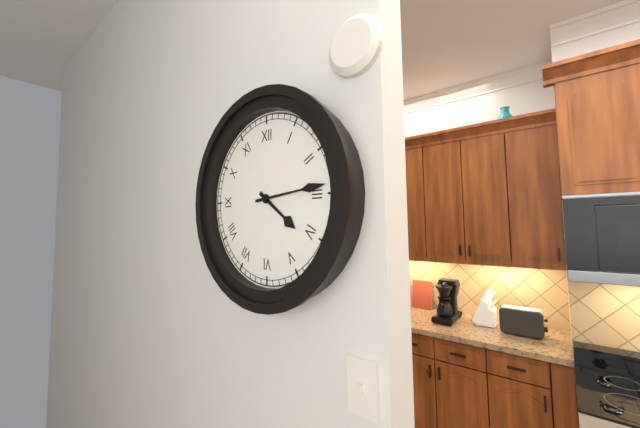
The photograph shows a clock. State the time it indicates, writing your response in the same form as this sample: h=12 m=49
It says h=4 m=14
